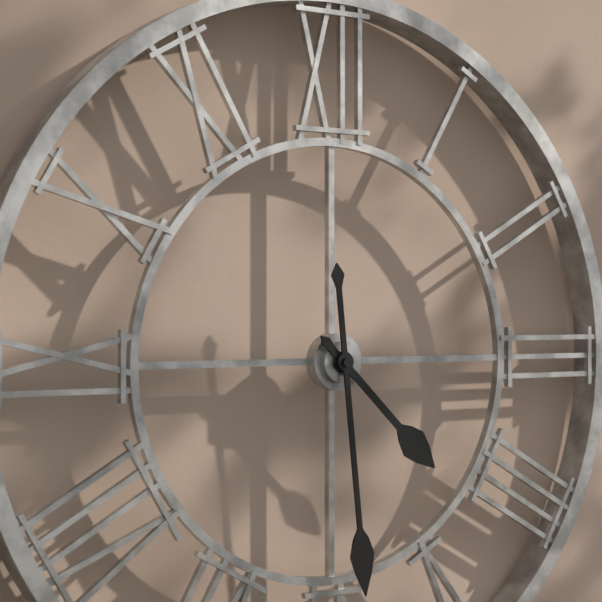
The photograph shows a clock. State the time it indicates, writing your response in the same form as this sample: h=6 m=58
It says h=4 m=29
